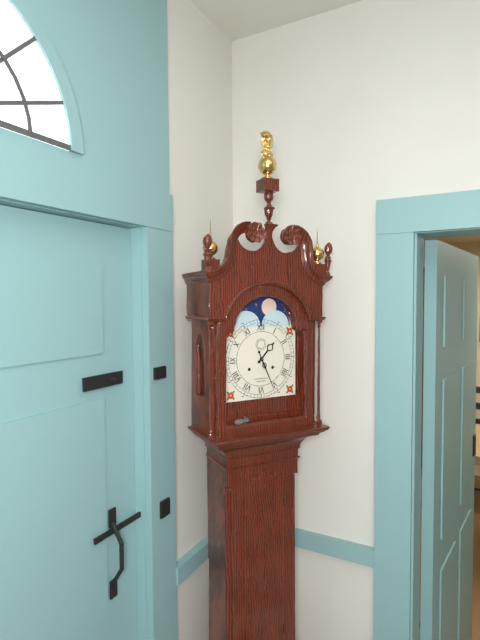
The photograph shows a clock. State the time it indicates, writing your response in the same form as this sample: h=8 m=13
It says h=1 m=26
